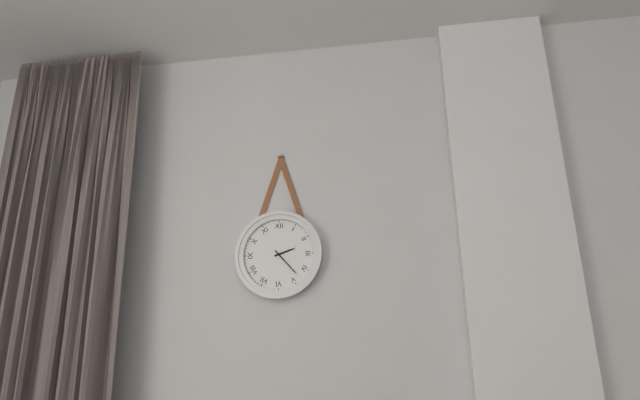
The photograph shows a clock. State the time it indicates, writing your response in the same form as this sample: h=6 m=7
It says h=2 m=23
